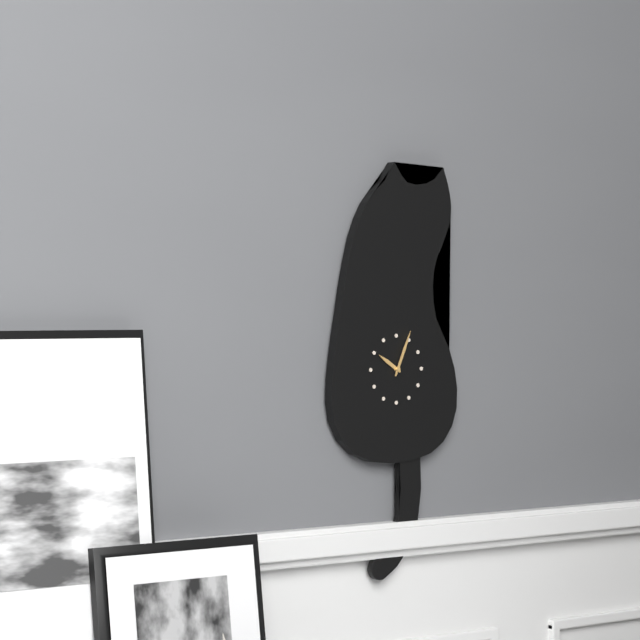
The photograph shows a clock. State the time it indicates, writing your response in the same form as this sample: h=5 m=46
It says h=10 m=4
